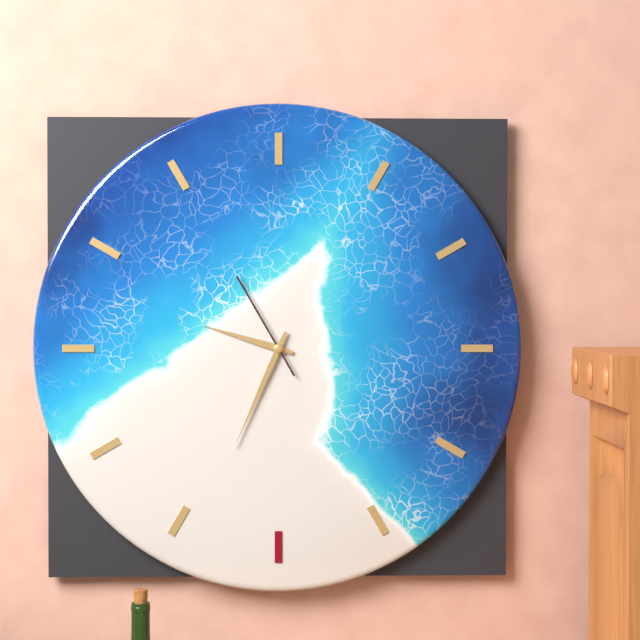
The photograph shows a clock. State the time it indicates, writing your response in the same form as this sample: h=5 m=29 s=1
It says h=9 m=34 s=55
